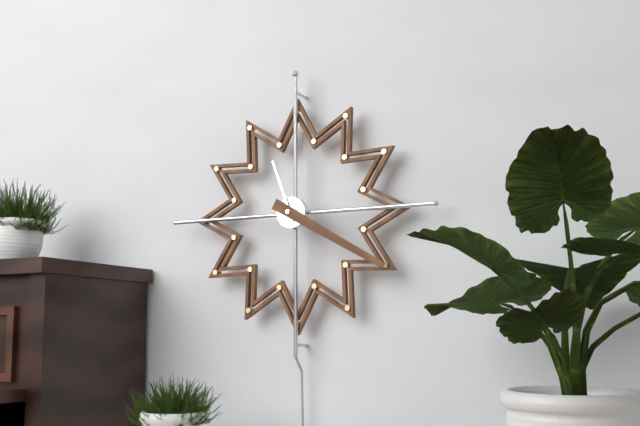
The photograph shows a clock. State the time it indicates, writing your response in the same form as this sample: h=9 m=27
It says h=11 m=20
